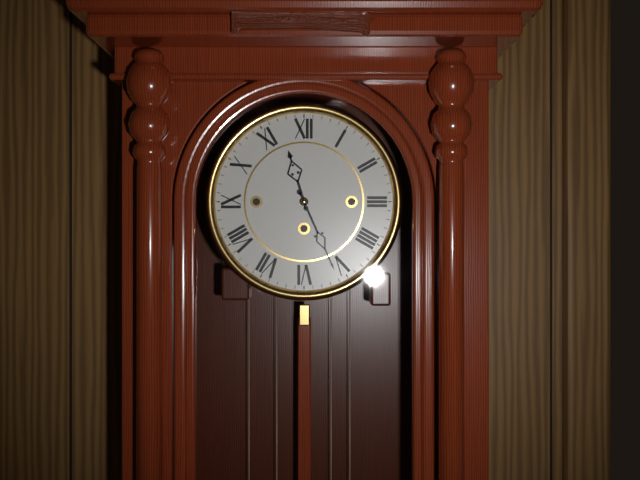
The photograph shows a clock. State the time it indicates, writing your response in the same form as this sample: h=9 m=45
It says h=11 m=26
